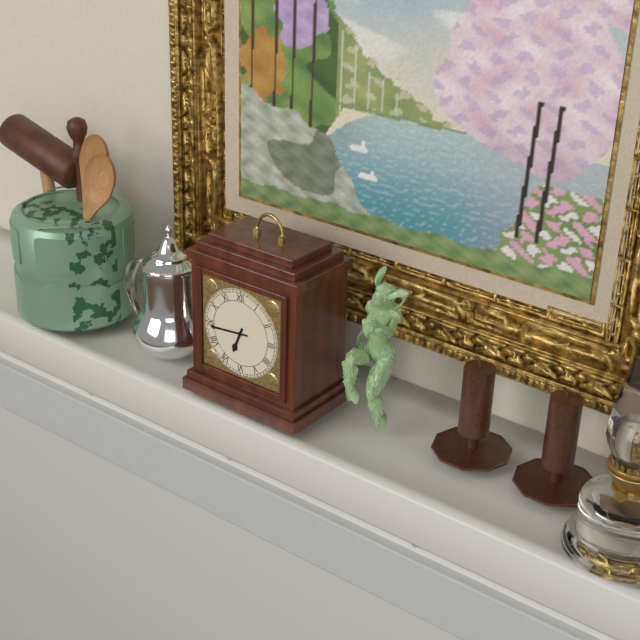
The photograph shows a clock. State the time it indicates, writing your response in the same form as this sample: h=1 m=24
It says h=6 m=44
